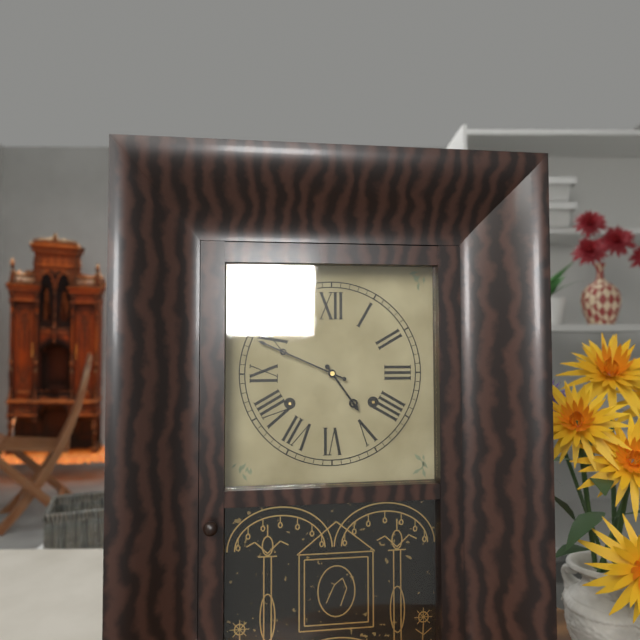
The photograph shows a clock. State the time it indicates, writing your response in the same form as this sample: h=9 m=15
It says h=4 m=49
